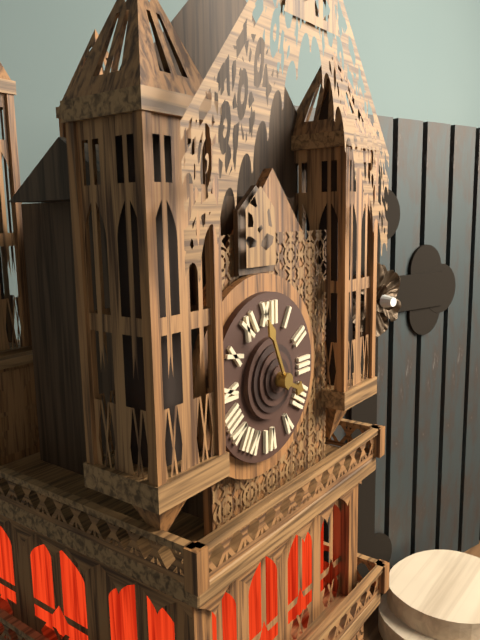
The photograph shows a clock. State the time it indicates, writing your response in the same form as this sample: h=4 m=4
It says h=3 m=56
